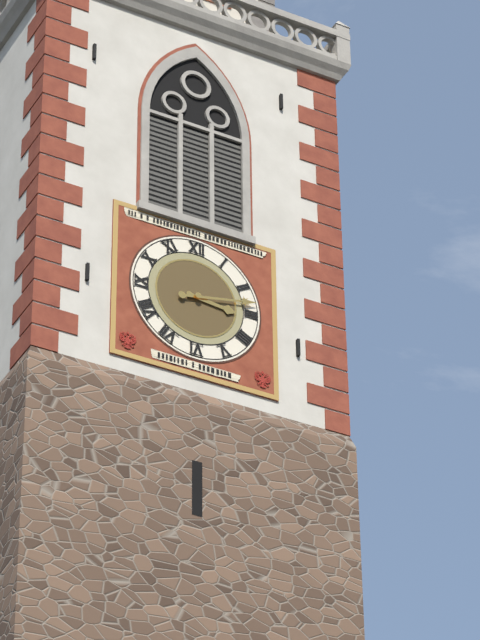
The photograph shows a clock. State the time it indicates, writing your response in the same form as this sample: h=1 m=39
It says h=3 m=13
